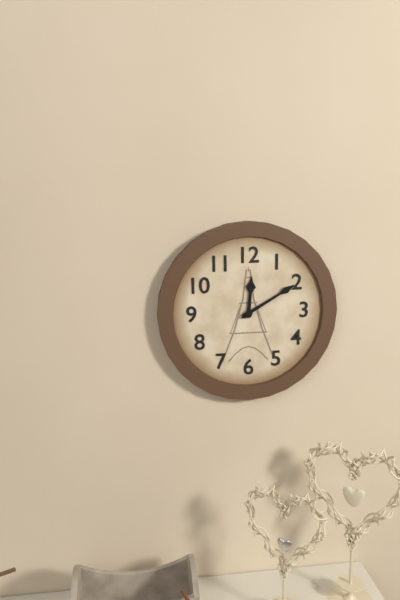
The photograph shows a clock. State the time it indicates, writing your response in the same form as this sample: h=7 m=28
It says h=12 m=10
